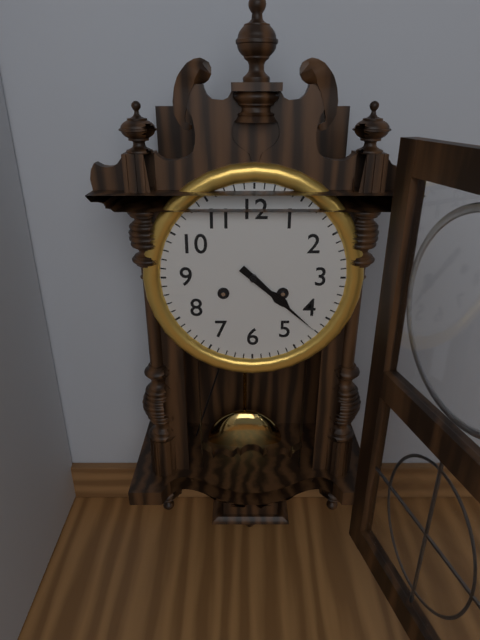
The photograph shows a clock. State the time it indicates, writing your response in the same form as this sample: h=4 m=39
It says h=4 m=22
